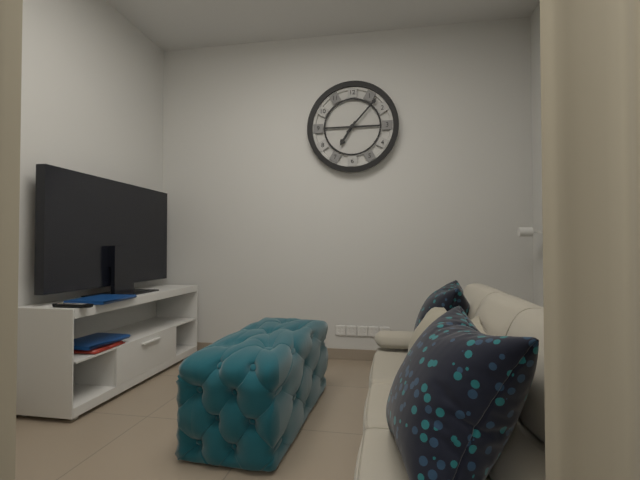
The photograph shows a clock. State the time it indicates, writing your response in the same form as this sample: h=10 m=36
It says h=7 m=7
